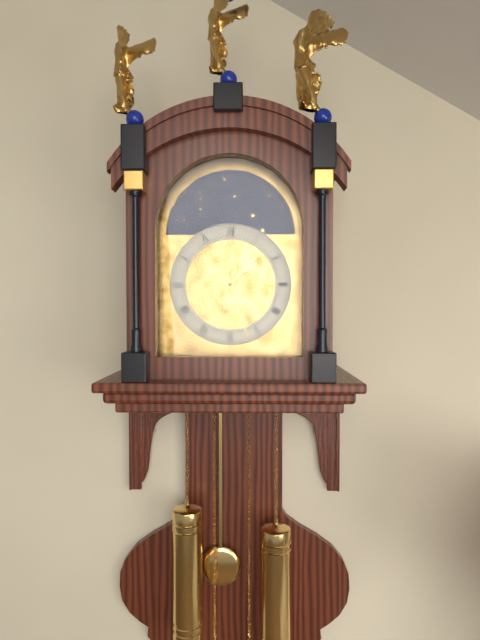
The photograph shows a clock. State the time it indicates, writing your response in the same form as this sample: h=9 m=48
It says h=1 m=27
